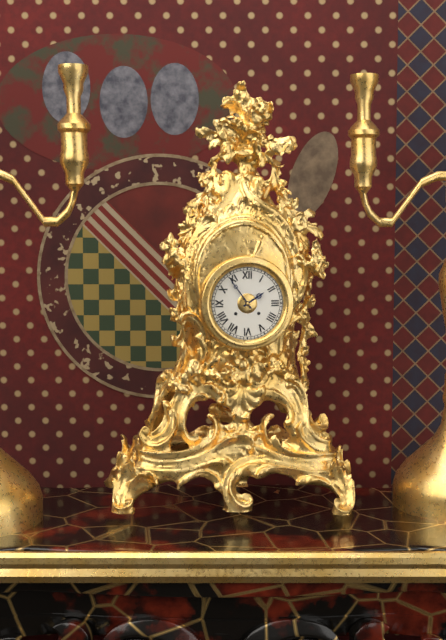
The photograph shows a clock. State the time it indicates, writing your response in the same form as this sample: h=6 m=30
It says h=1 m=54
